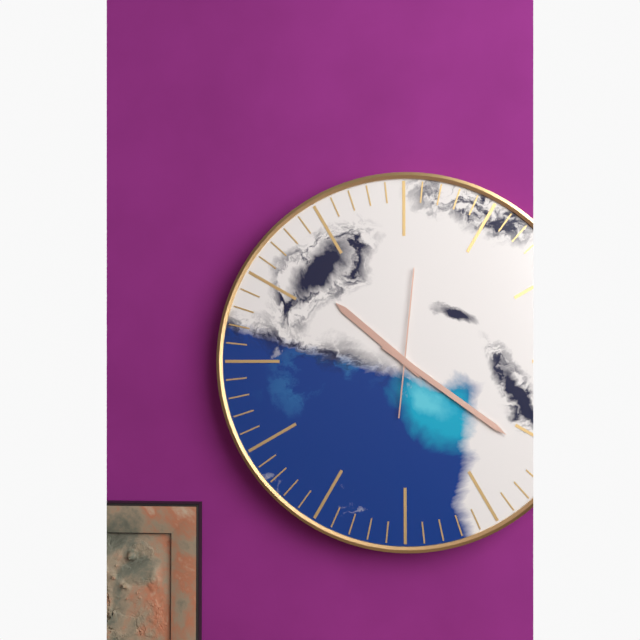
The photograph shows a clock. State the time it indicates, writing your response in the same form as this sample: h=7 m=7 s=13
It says h=10 m=21 s=1
